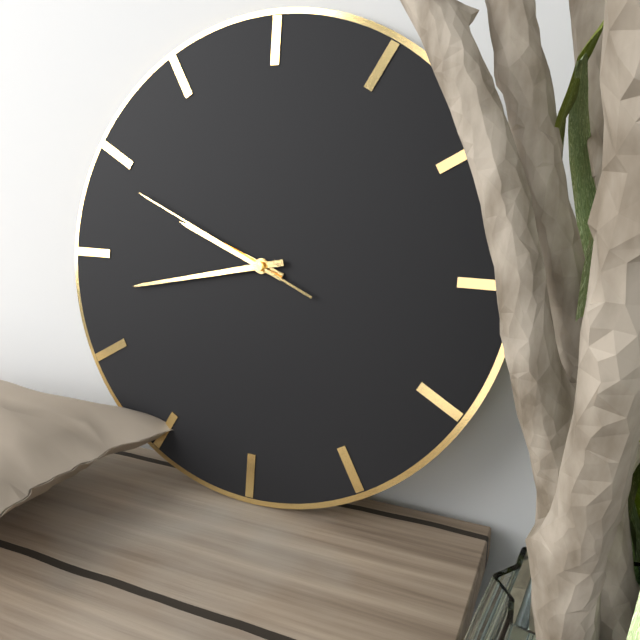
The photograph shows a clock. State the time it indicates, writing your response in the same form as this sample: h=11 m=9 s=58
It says h=9 m=43 s=49
